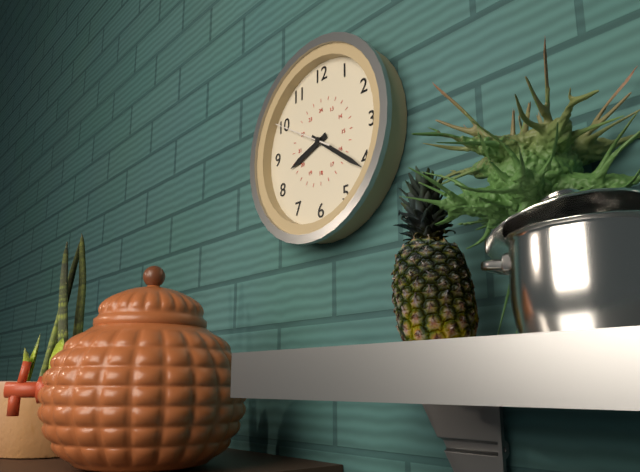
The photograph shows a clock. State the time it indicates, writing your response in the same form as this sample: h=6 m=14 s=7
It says h=8 m=21 s=50
